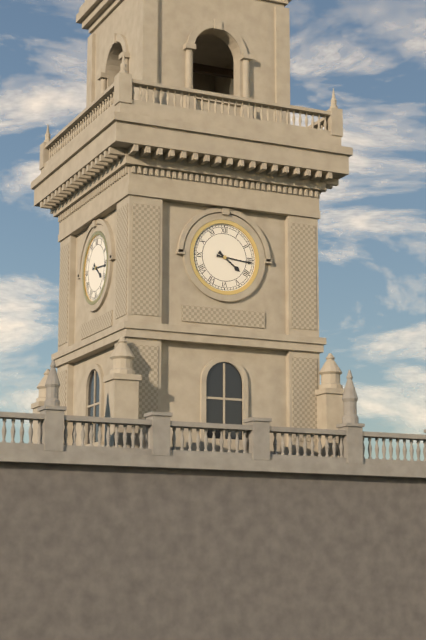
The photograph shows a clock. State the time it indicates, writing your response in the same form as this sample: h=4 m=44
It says h=4 m=16
